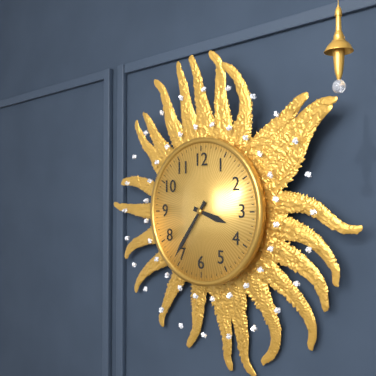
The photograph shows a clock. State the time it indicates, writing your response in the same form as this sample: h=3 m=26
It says h=3 m=36
